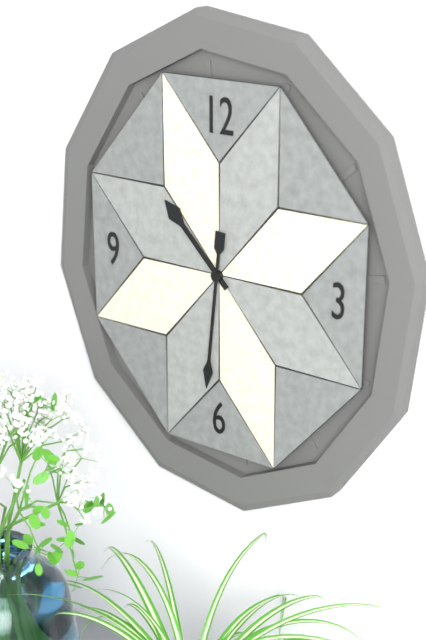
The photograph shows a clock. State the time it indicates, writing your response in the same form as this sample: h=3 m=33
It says h=10 m=31
